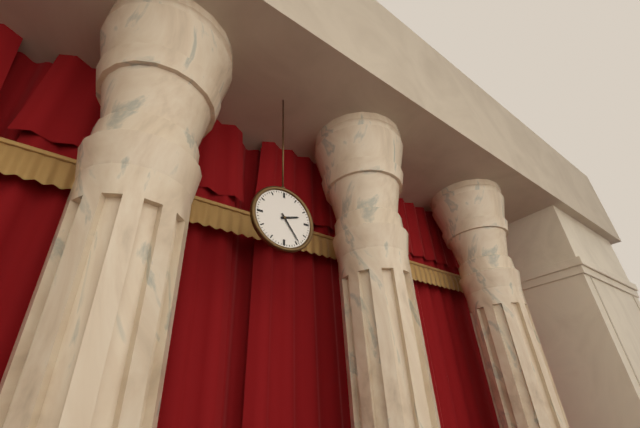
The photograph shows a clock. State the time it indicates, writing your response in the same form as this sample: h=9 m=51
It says h=2 m=24
